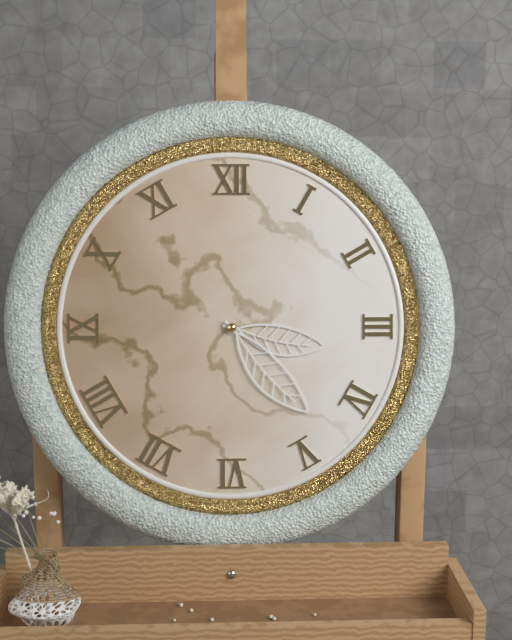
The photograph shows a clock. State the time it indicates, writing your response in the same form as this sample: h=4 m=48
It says h=3 m=23
